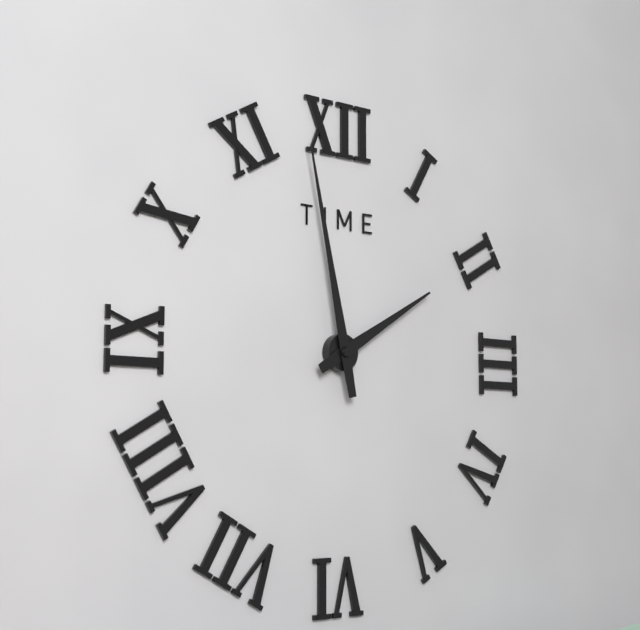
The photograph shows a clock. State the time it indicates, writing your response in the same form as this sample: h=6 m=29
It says h=1 m=58
